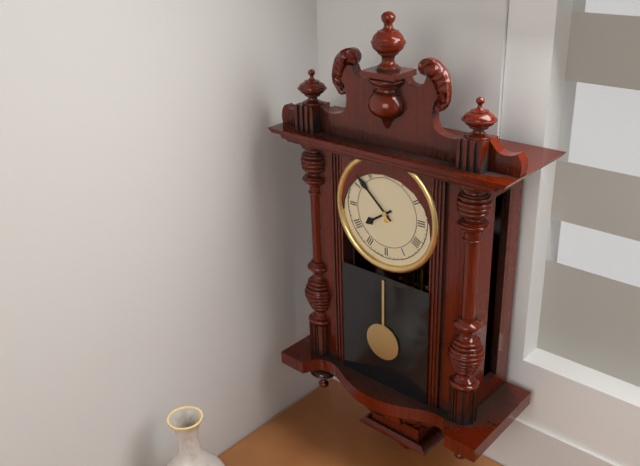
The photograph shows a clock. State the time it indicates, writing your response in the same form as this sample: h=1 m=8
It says h=7 m=52
